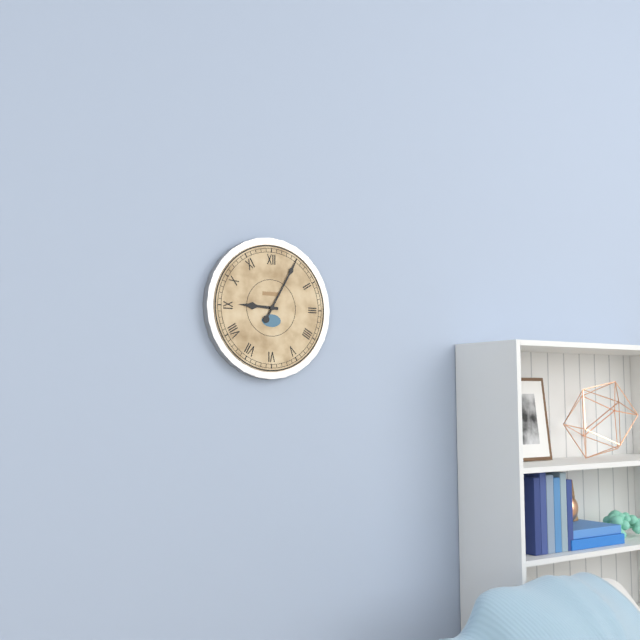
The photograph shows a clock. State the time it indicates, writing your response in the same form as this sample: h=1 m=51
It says h=9 m=5
